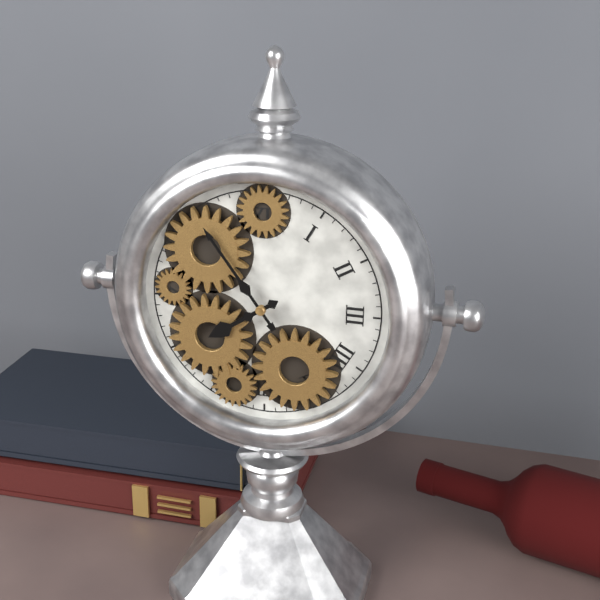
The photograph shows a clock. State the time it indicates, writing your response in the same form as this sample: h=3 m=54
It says h=7 m=54
